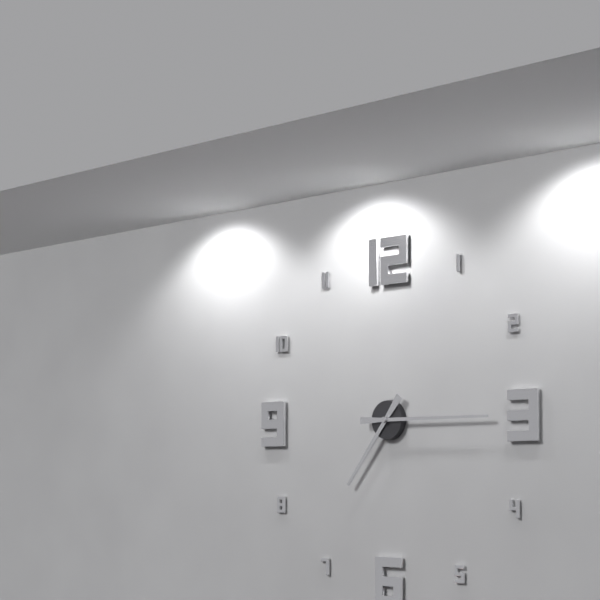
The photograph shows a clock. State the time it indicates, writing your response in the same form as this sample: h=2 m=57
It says h=7 m=15
